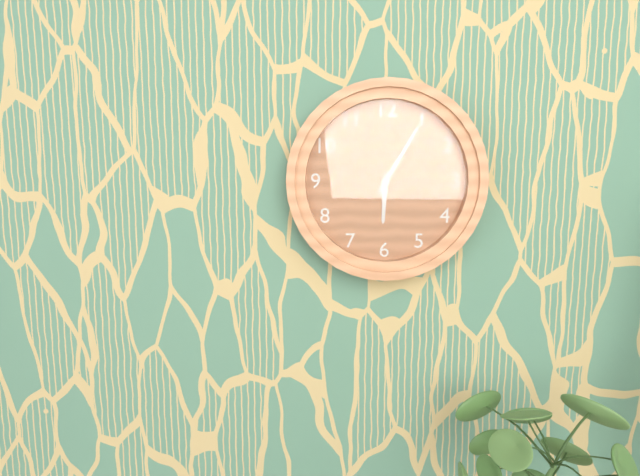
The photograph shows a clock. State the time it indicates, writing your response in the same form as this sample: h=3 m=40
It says h=6 m=5
